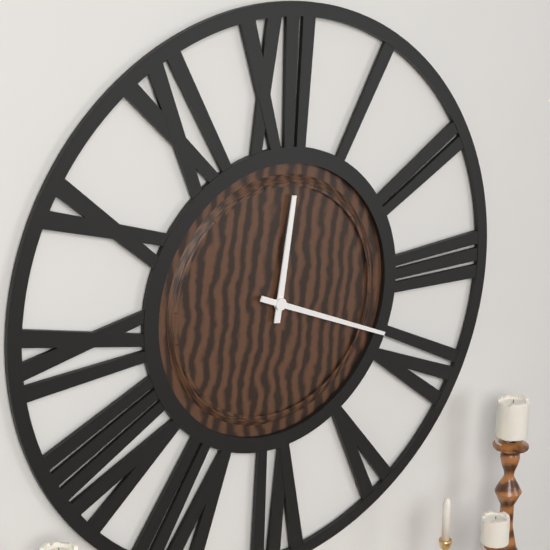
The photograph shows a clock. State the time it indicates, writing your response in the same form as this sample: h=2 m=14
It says h=12 m=19
